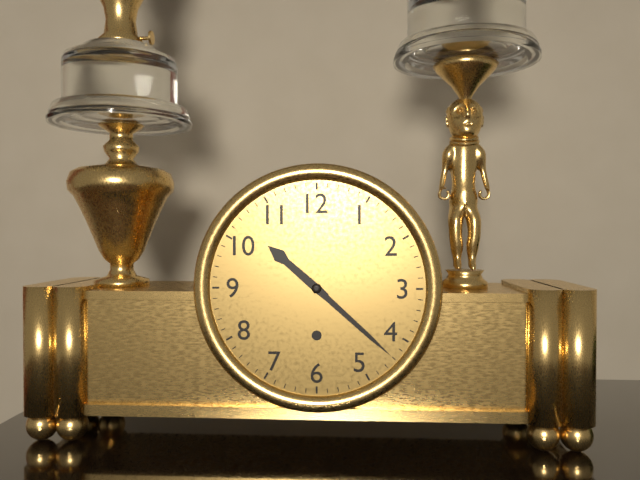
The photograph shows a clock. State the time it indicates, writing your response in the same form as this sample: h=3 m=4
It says h=10 m=22
